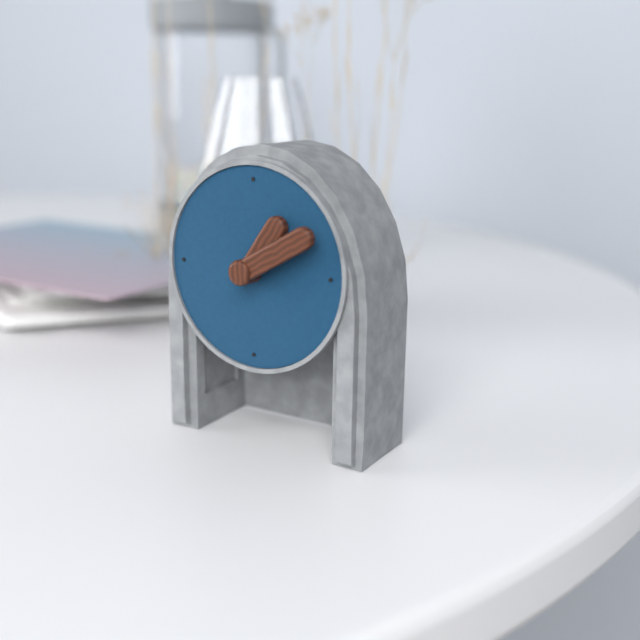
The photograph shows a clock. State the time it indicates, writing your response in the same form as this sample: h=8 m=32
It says h=1 m=10
